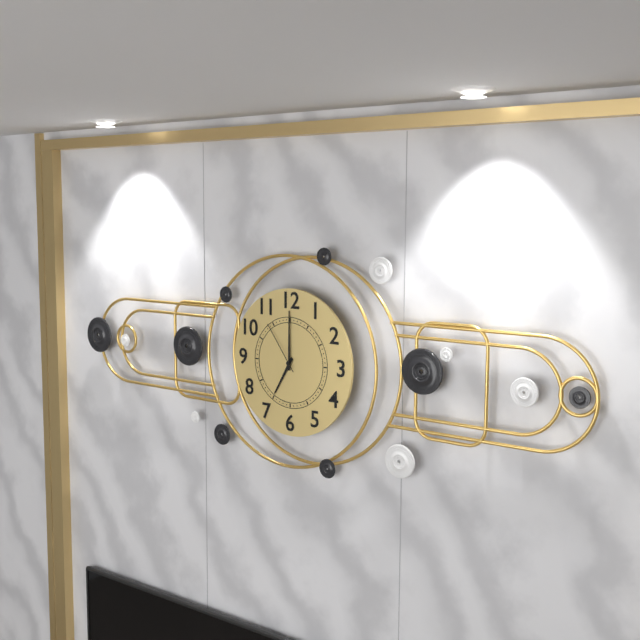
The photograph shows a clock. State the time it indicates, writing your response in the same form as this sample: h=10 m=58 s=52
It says h=7 m=0 s=54
